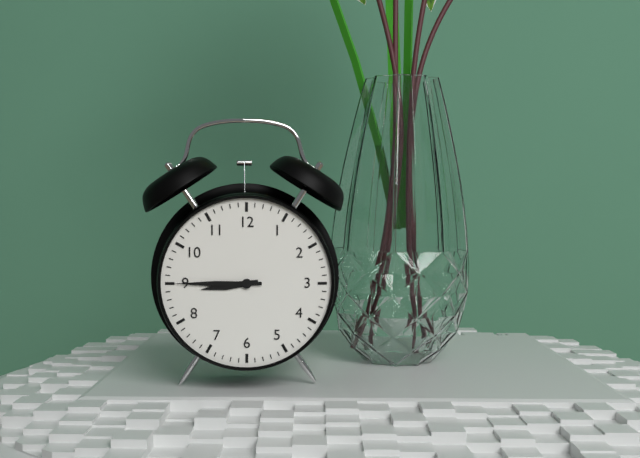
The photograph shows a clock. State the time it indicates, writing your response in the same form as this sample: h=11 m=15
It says h=8 m=45
